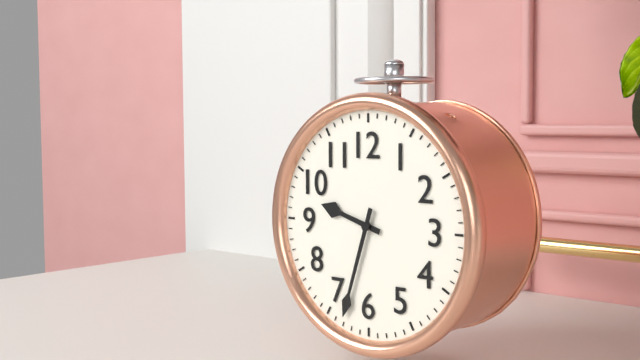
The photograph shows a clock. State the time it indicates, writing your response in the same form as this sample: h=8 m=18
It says h=9 m=33
